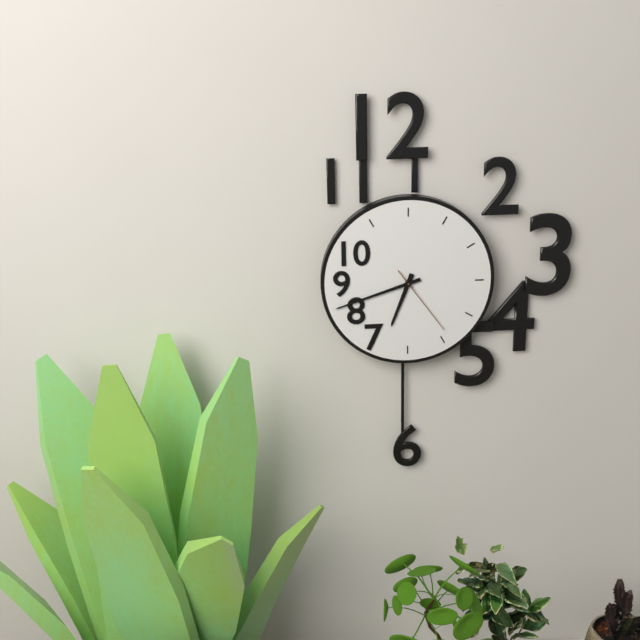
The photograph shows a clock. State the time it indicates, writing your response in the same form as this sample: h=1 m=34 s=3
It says h=6 m=42 s=24
